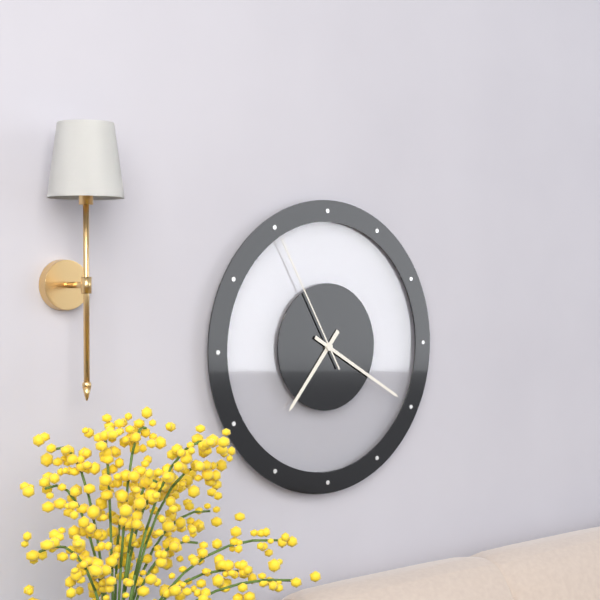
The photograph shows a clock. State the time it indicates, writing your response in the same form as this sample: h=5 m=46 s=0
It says h=7 m=20 s=55
